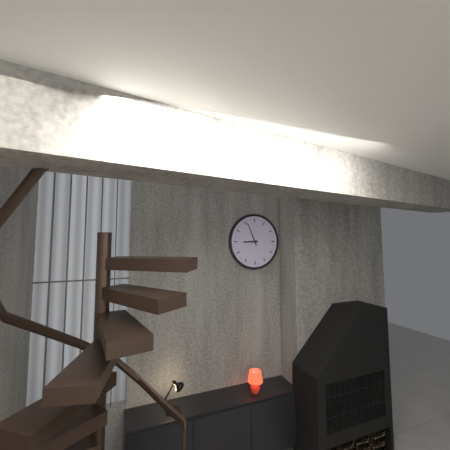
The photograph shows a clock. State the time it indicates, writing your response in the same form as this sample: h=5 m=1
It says h=8 m=56
